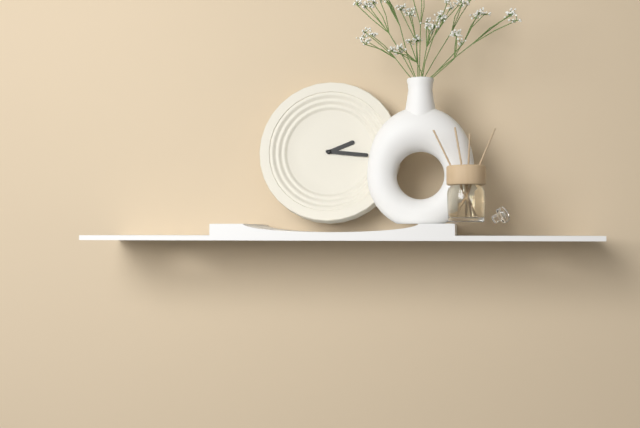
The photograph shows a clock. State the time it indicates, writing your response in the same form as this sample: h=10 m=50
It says h=2 m=16
